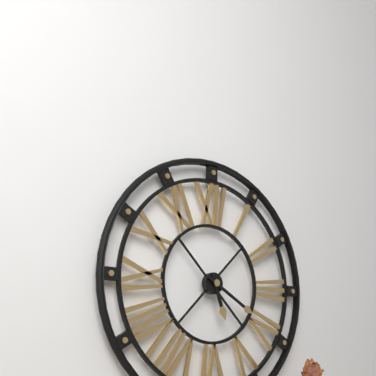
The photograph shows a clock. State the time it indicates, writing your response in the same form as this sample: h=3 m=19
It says h=5 m=20
